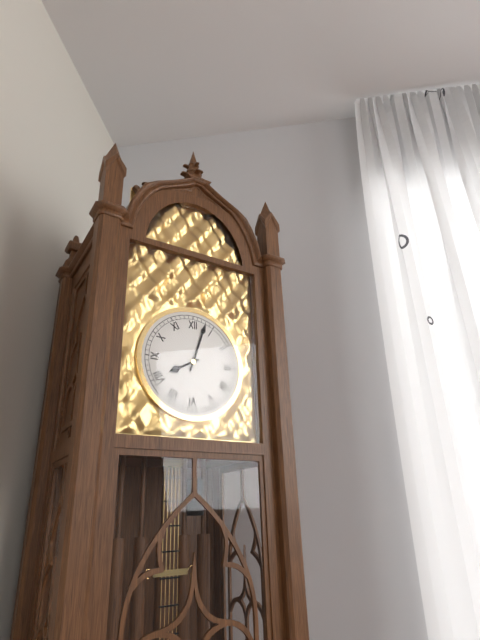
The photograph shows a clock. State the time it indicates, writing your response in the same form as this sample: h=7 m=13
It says h=8 m=3
